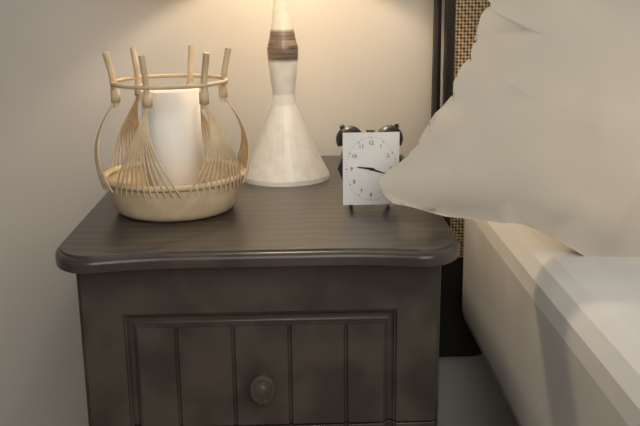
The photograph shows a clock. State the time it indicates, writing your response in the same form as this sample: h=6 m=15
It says h=9 m=18
